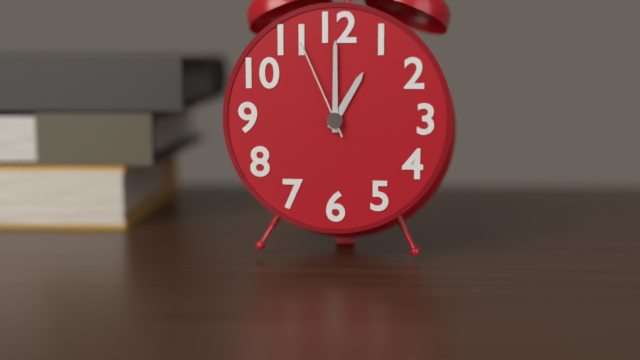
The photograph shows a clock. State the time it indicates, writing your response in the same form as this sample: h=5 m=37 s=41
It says h=1 m=0 s=56
